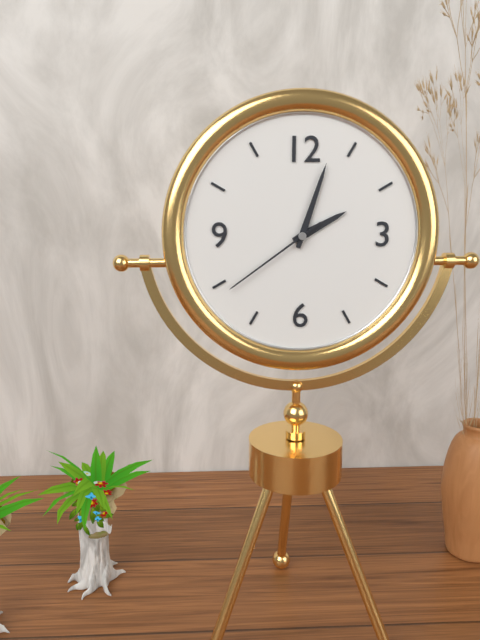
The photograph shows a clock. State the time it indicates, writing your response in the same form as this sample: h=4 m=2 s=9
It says h=2 m=3 s=39
